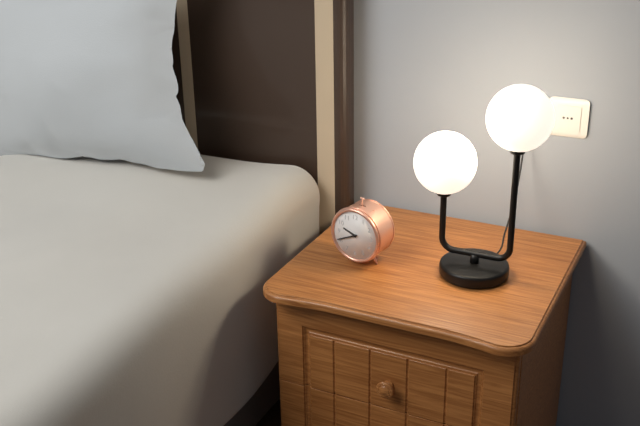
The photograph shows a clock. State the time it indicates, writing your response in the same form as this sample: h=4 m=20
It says h=9 m=41
